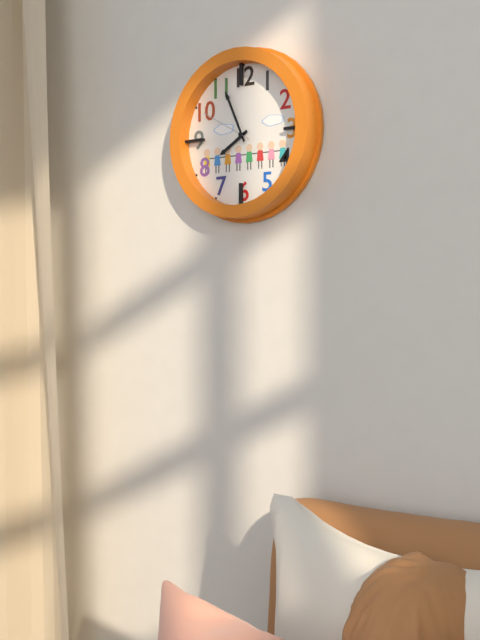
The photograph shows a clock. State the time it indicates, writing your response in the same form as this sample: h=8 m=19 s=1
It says h=7 m=56 s=50
